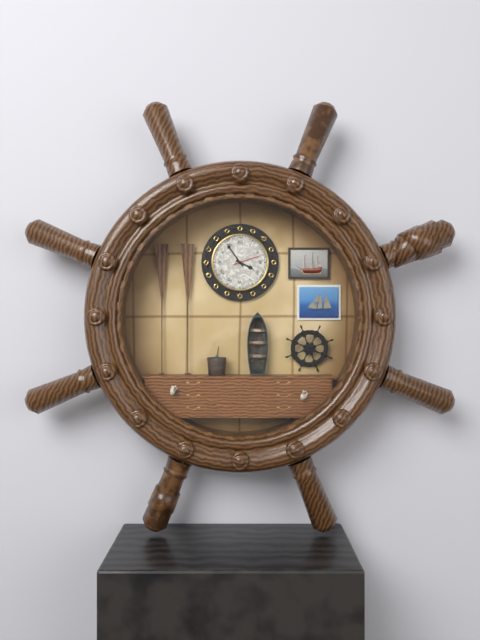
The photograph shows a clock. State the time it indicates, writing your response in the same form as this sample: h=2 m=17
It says h=3 m=54
